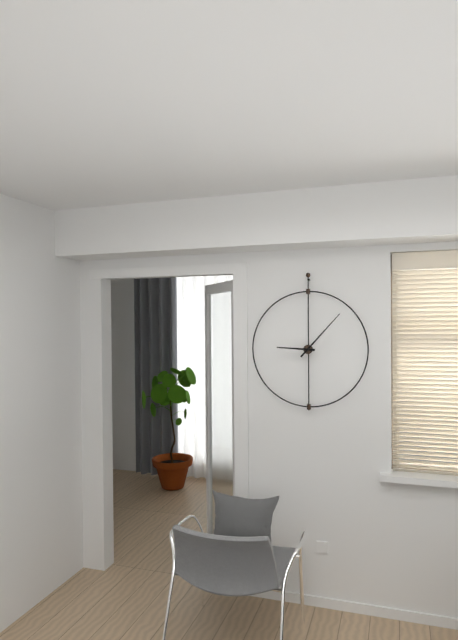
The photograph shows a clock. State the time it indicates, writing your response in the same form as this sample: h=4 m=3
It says h=9 m=7
